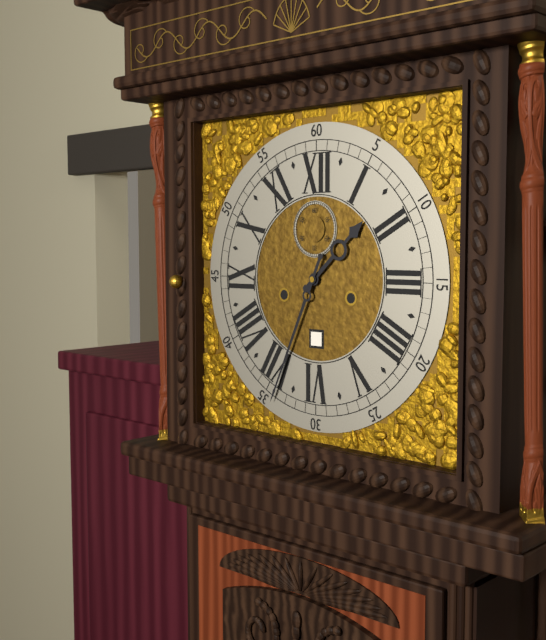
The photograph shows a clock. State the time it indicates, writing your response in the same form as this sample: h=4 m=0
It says h=1 m=34
